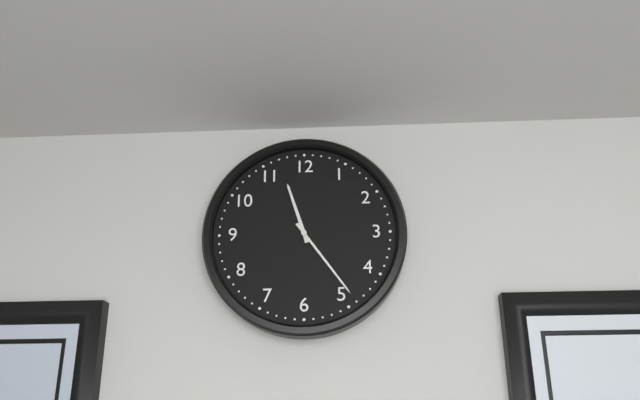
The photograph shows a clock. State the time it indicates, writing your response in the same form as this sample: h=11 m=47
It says h=11 m=24
